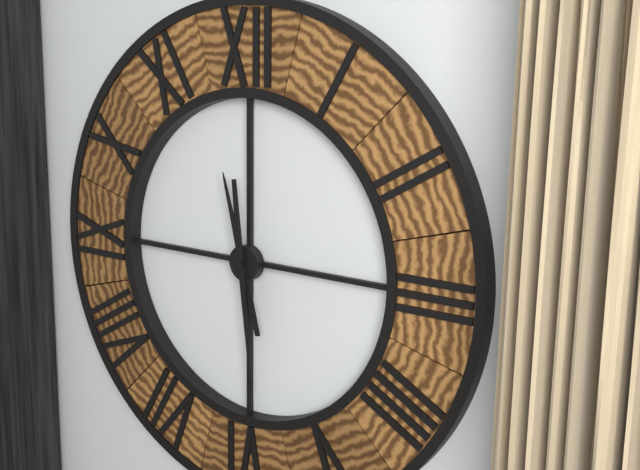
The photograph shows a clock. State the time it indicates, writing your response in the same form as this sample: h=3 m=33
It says h=11 m=29
